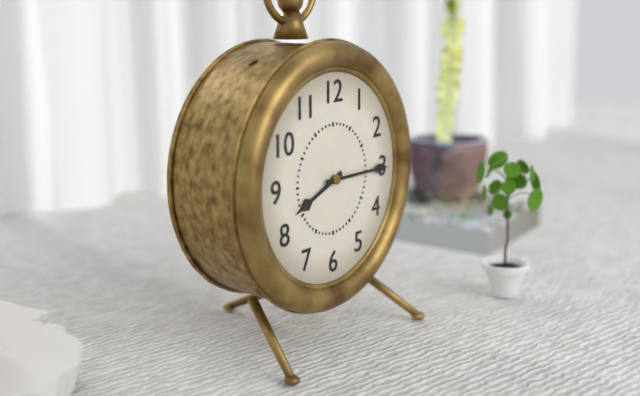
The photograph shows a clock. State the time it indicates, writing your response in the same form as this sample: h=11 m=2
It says h=8 m=15
